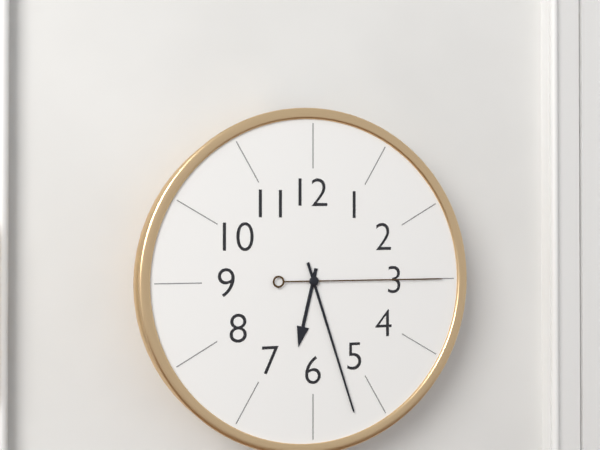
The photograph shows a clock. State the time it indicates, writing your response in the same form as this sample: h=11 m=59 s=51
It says h=6 m=27 s=15
